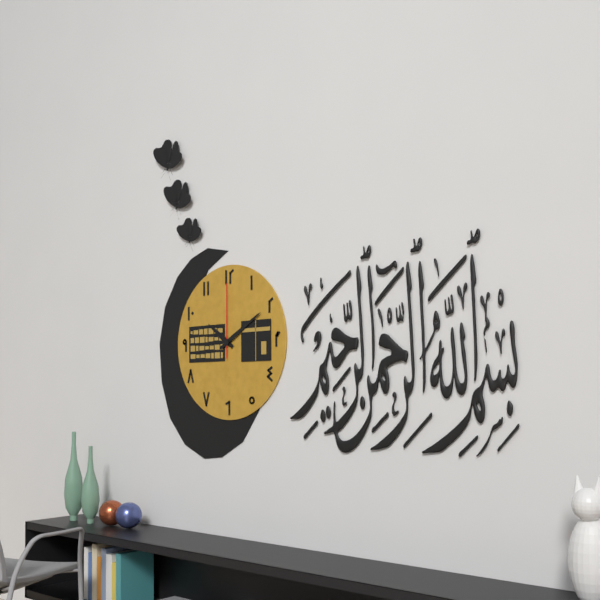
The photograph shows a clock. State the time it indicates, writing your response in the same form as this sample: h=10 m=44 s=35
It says h=10 m=10 s=0
